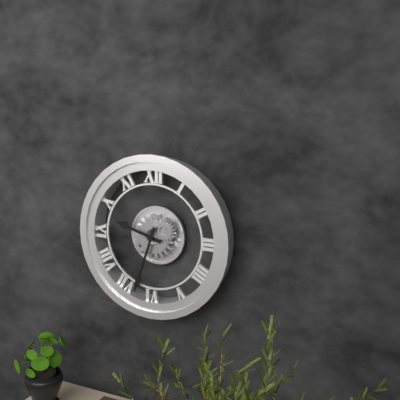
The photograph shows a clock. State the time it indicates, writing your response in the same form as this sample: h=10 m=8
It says h=9 m=33
